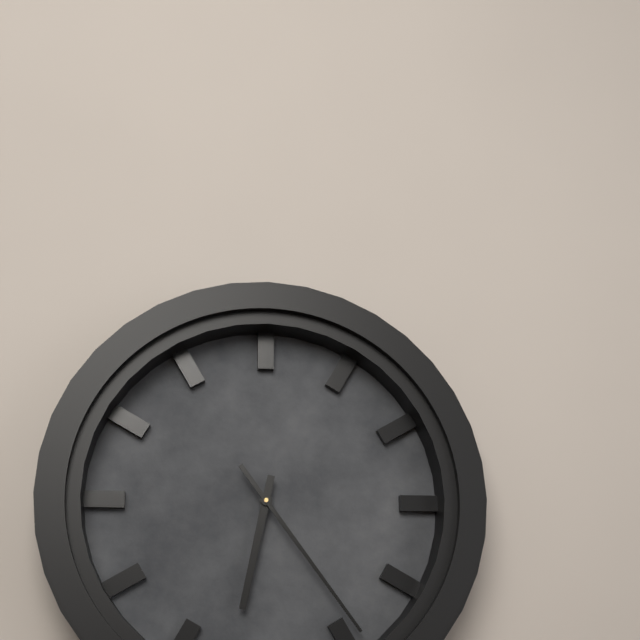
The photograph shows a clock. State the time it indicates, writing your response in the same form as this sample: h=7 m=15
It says h=6 m=24
